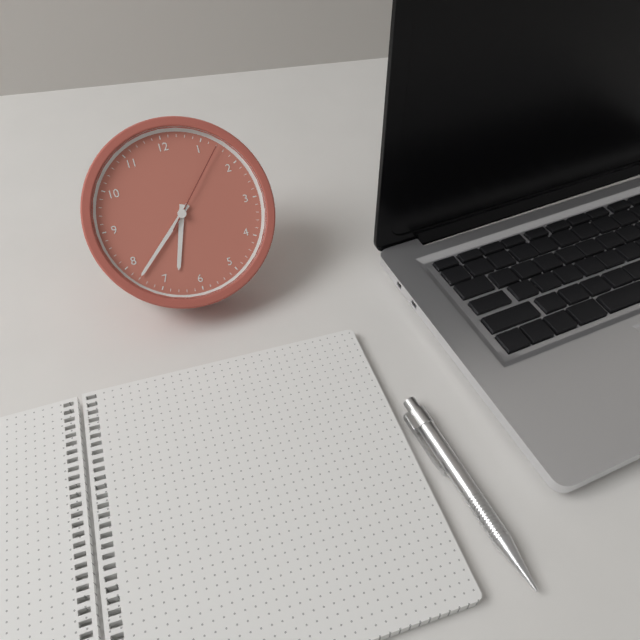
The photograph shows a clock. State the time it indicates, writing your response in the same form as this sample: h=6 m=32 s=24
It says h=6 m=38 s=7
